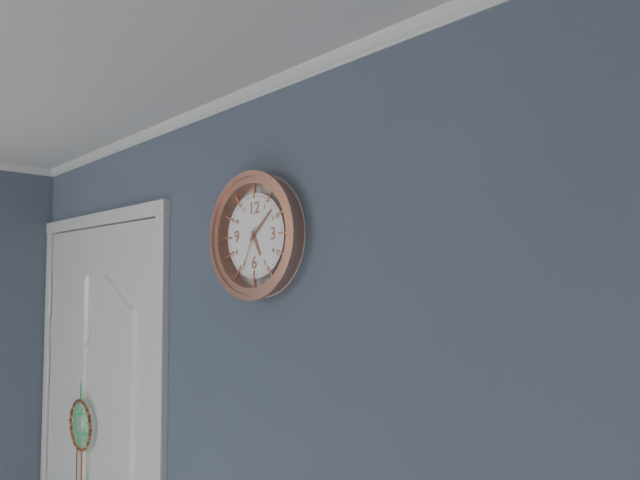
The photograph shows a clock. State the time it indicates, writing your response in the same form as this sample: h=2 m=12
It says h=5 m=8
